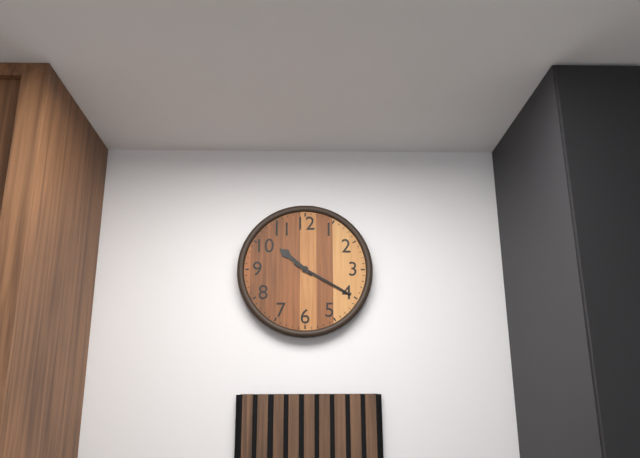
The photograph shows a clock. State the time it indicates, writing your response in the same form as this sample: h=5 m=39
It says h=10 m=20
